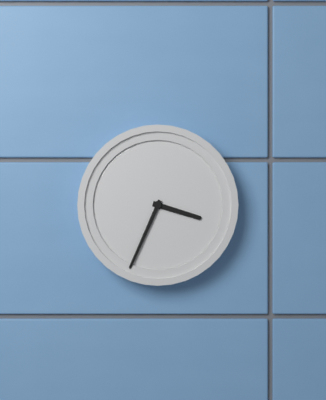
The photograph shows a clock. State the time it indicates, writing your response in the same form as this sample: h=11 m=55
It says h=3 m=34
